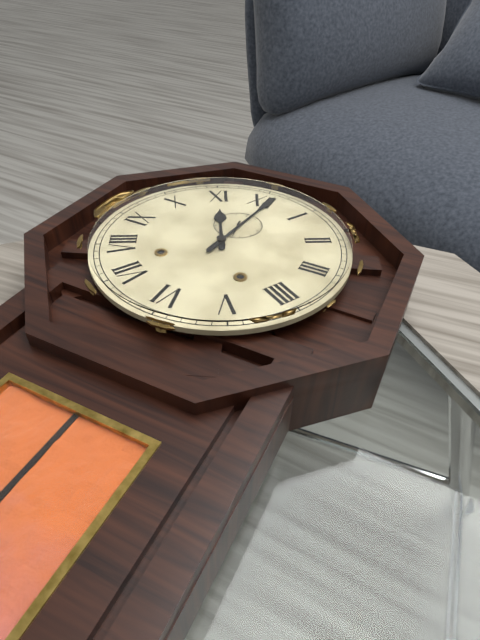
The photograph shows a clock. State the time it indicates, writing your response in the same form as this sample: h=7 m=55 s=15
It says h=11 m=1 s=28
